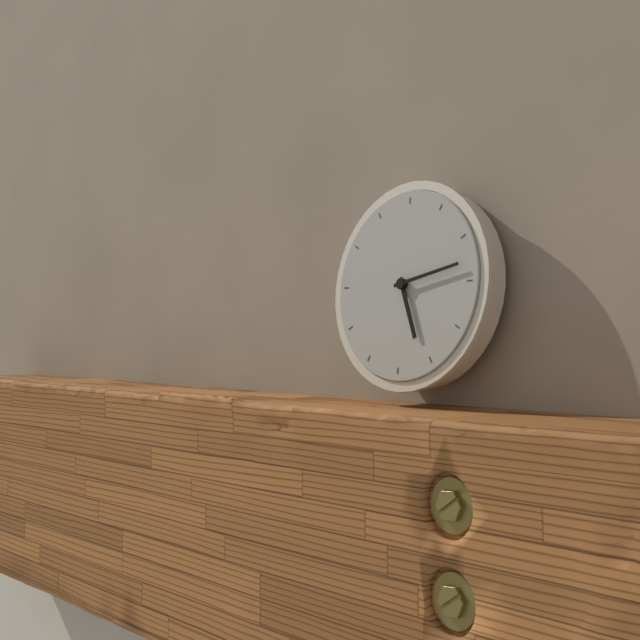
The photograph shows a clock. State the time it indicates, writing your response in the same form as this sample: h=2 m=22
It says h=5 m=13
